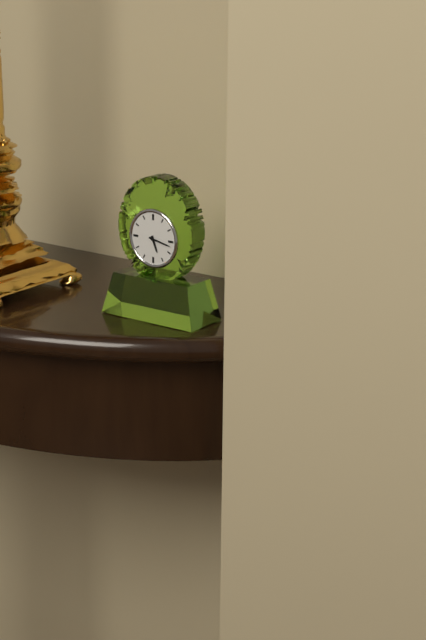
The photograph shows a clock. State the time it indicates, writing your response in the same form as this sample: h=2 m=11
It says h=5 m=17
